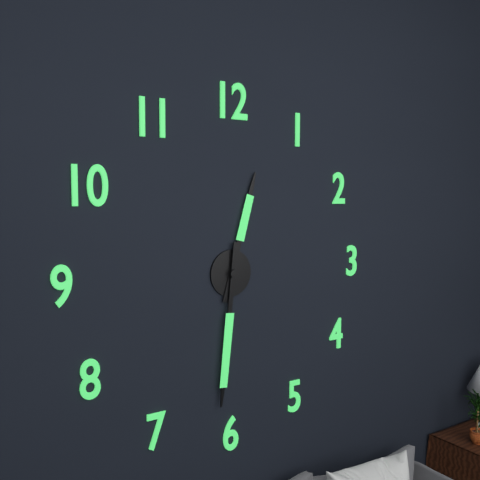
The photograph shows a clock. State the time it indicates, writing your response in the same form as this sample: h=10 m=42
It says h=12 m=31
